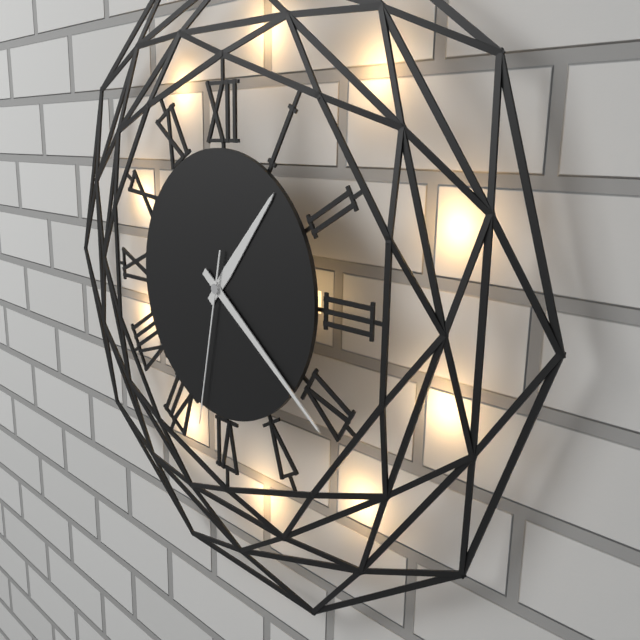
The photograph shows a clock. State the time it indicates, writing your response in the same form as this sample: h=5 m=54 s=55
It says h=1 m=21 s=32
